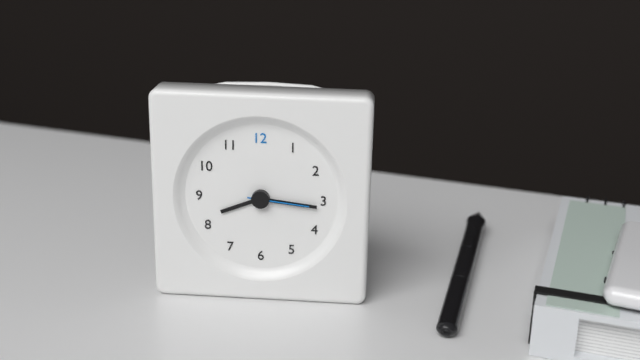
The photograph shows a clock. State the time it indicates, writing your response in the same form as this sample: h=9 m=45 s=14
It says h=8 m=16 s=16
